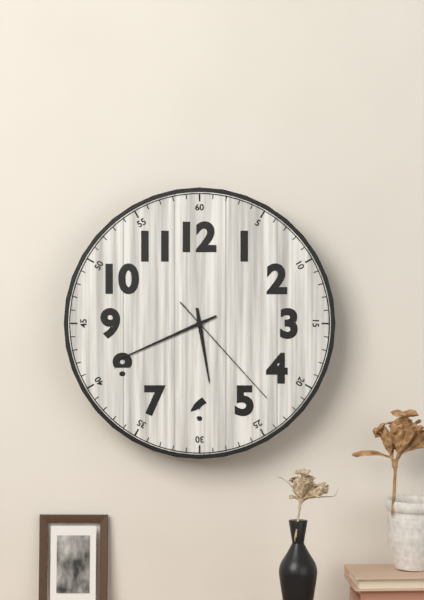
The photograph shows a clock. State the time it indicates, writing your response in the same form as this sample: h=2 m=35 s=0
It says h=5 m=41 s=23
